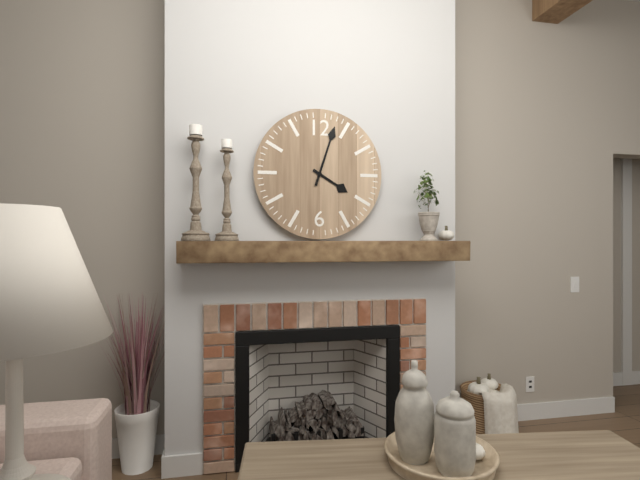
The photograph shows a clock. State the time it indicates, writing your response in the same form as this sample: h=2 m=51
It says h=4 m=3
